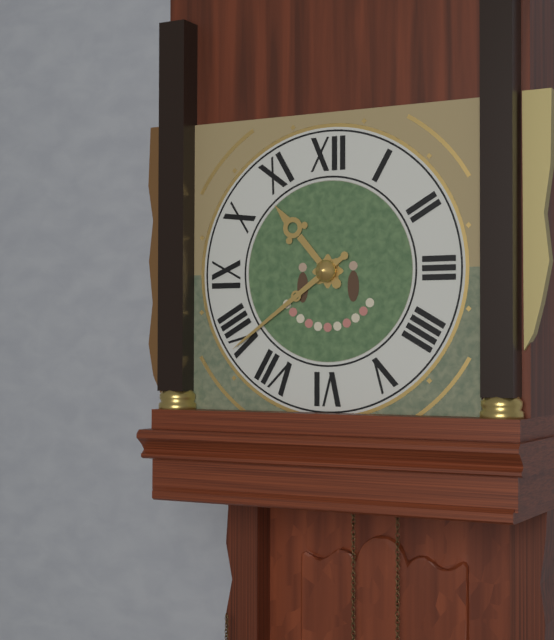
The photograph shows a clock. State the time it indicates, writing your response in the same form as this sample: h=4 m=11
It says h=10 m=39
